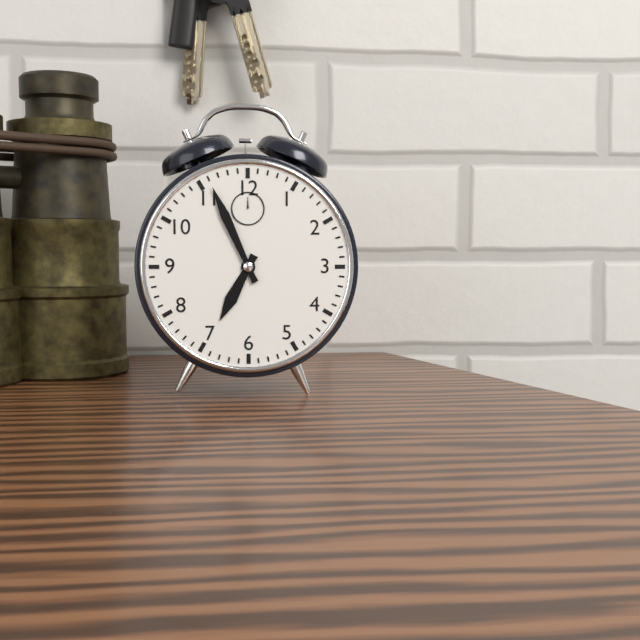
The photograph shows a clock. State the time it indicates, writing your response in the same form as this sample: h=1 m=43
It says h=6 m=56
